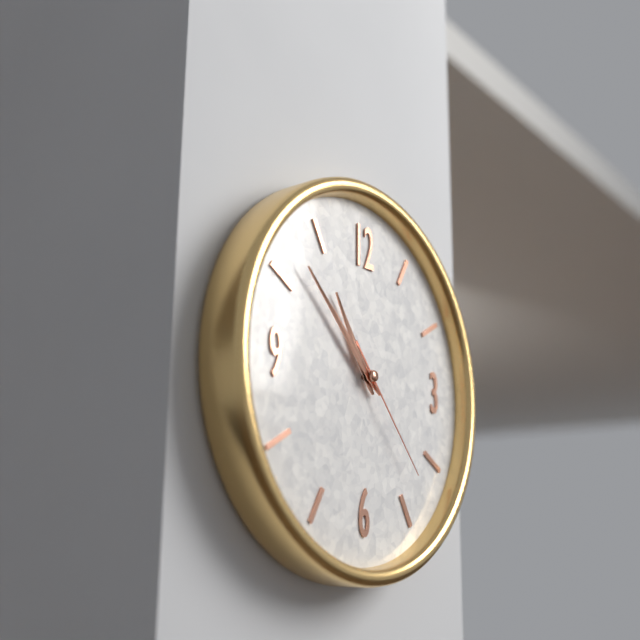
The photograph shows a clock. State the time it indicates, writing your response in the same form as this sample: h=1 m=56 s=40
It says h=10 m=52 s=23
